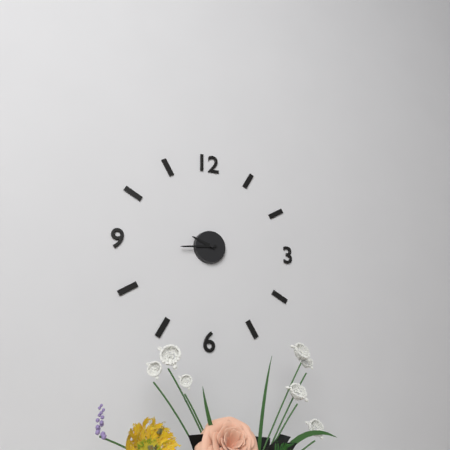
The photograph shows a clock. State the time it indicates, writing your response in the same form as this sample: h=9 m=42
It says h=9 m=44
